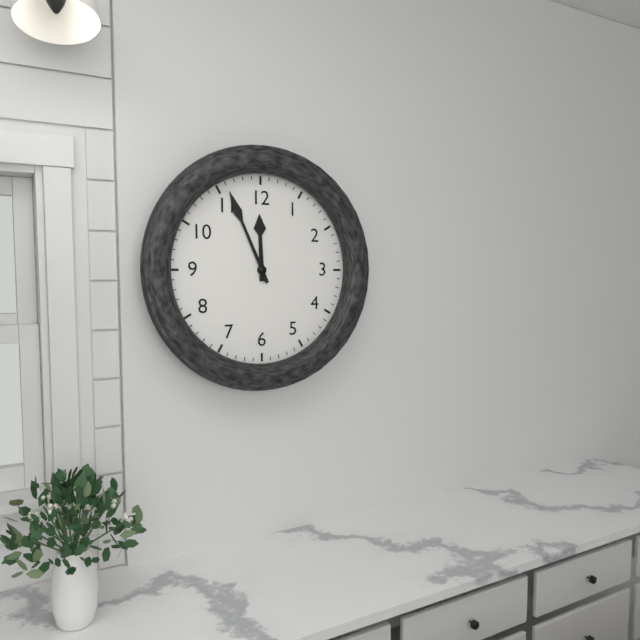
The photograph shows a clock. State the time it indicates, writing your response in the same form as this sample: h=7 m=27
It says h=11 m=56
